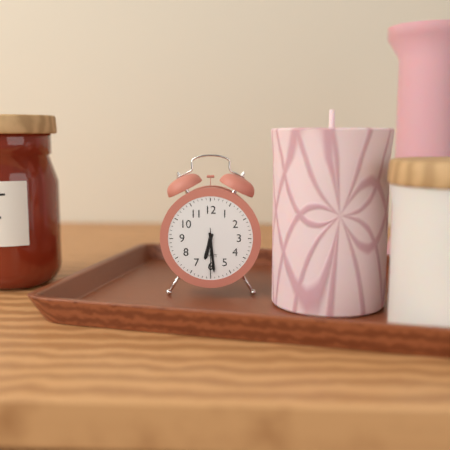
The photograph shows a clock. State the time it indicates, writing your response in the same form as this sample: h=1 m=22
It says h=6 m=29
